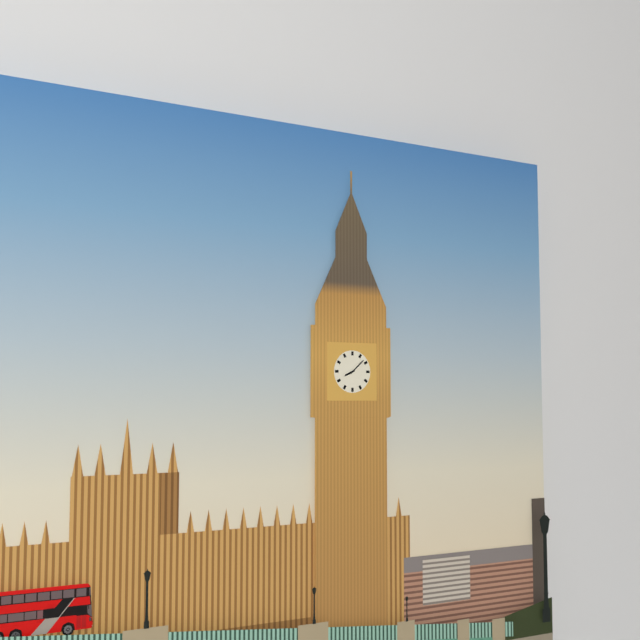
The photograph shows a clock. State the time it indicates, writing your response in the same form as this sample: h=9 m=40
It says h=8 m=8
